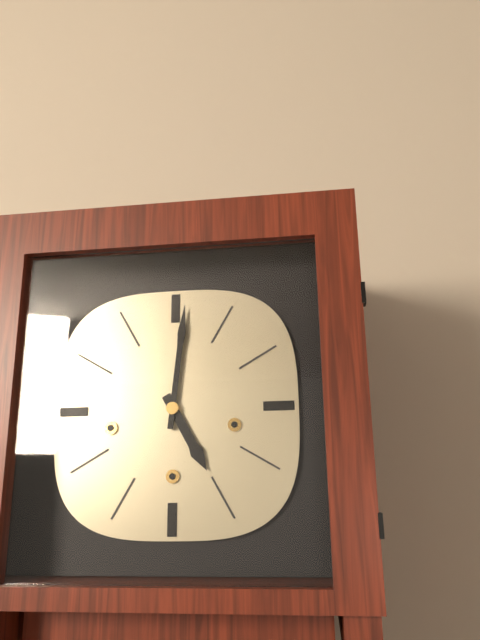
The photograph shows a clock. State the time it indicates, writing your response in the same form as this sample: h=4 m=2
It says h=5 m=1
